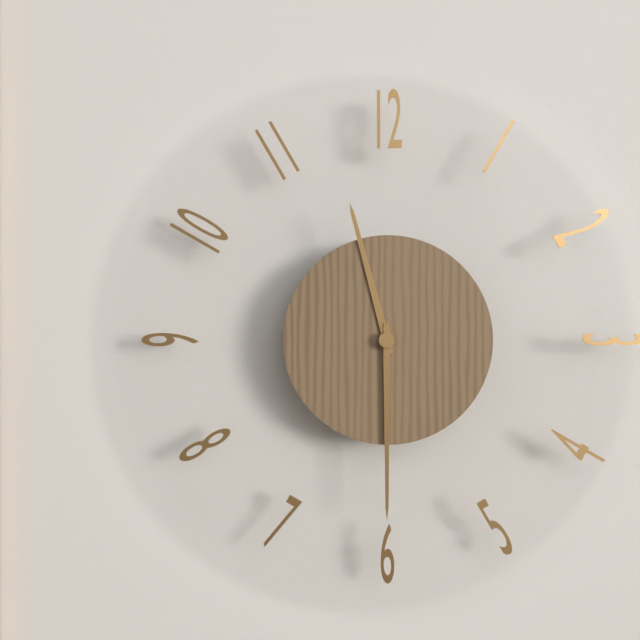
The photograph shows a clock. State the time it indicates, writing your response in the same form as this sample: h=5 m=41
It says h=11 m=30
